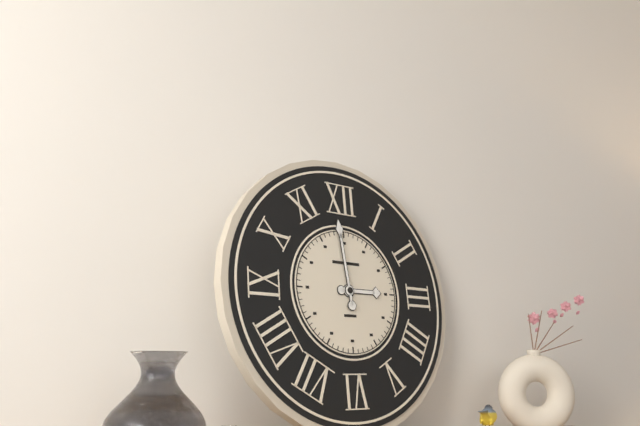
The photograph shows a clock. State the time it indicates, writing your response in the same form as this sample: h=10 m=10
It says h=2 m=59
